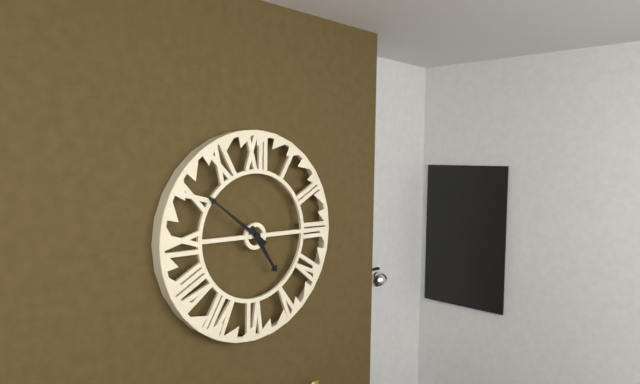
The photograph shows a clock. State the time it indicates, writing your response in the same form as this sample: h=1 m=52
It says h=4 m=51
